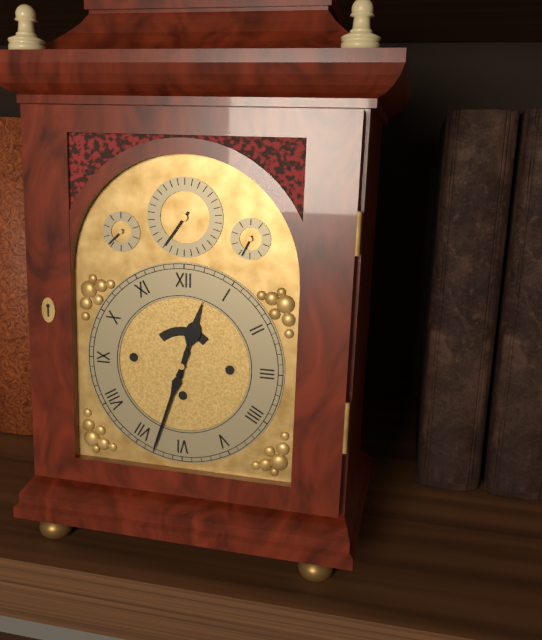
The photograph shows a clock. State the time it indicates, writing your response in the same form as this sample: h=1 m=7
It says h=12 m=33
